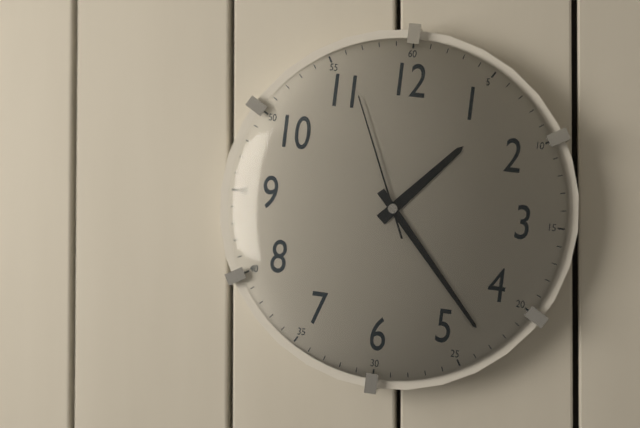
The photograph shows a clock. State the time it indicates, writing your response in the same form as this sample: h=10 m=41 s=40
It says h=1 m=23 s=56
